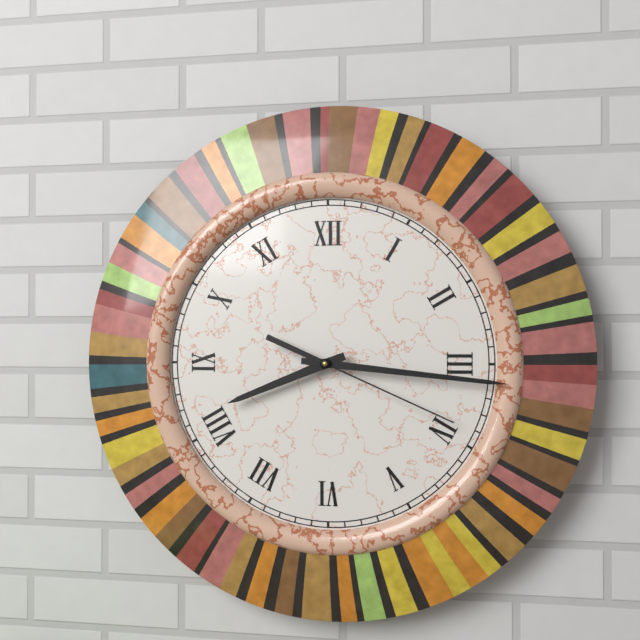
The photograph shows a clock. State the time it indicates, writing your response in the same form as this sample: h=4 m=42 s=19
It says h=8 m=16 s=19
